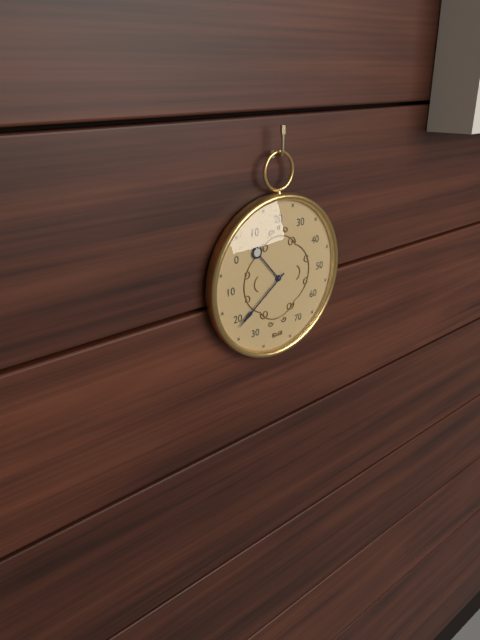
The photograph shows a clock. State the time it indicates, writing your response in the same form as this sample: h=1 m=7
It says h=10 m=39
